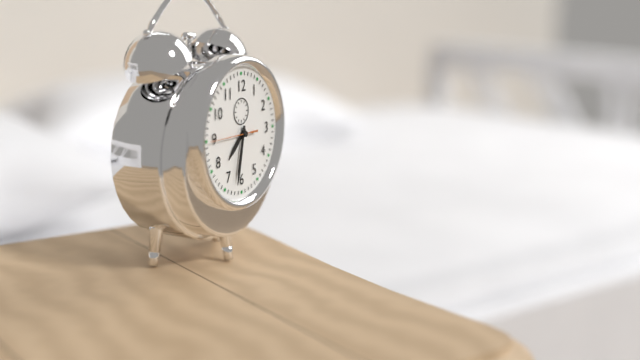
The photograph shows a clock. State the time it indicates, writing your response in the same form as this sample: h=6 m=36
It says h=7 m=32
